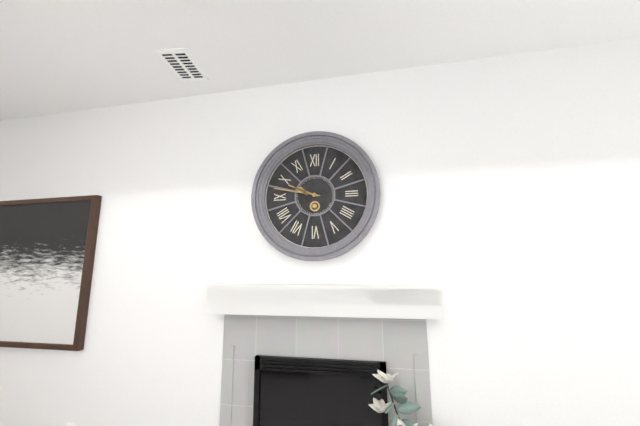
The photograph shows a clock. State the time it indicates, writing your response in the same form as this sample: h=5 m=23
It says h=9 m=47
